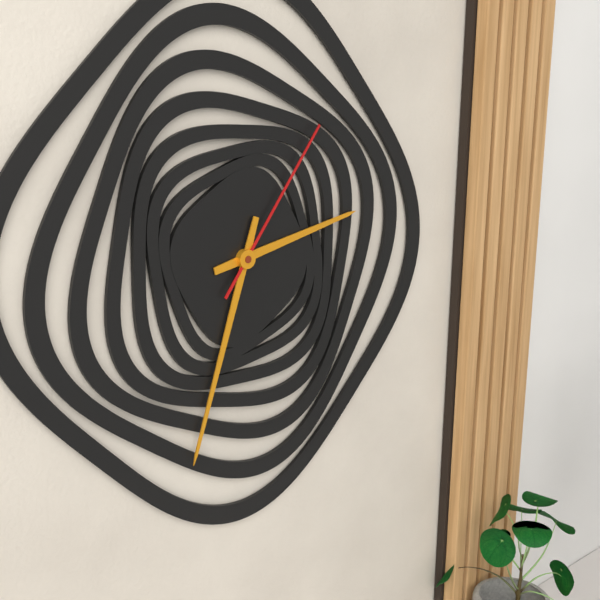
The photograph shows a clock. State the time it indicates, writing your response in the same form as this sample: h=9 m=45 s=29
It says h=2 m=33 s=6
